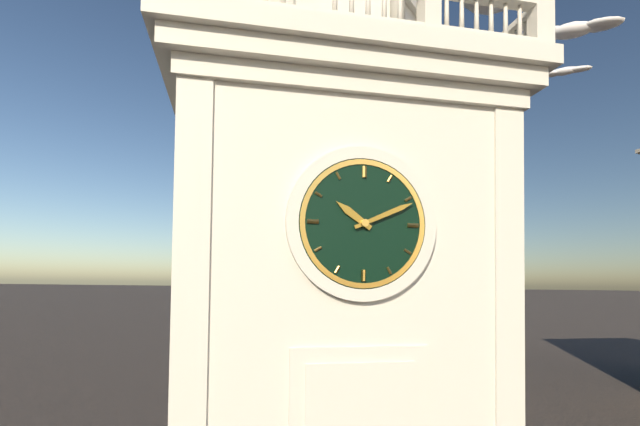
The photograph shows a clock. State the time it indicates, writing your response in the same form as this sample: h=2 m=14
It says h=10 m=11
